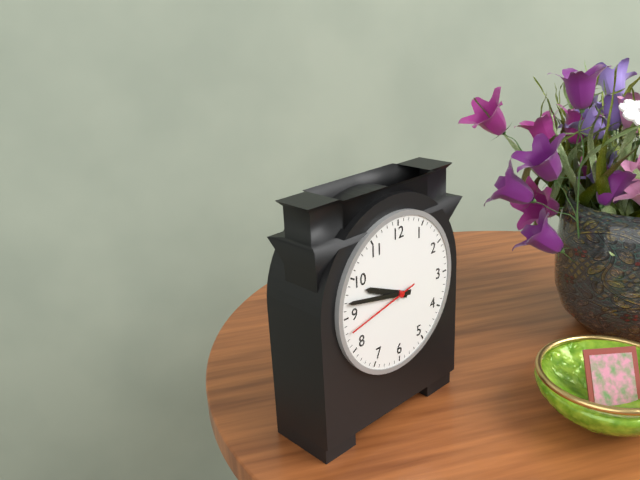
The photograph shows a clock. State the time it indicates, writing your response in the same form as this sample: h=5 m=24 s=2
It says h=9 m=47 s=43
